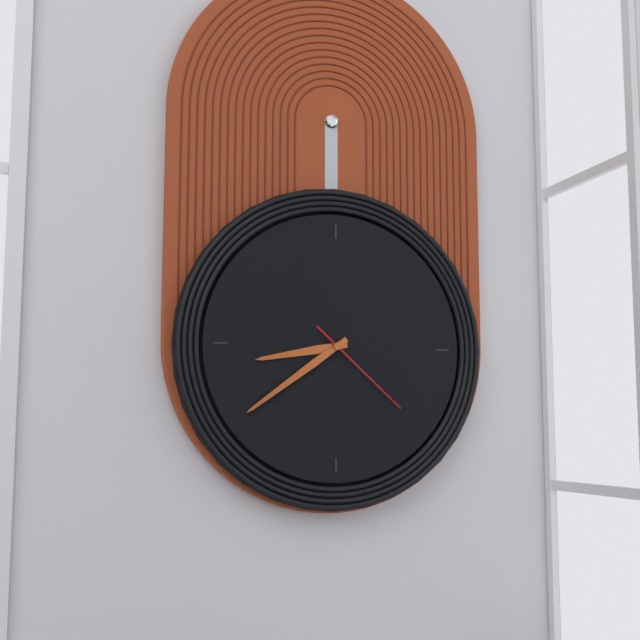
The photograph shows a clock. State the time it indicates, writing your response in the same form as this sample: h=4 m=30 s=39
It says h=8 m=39 s=22
